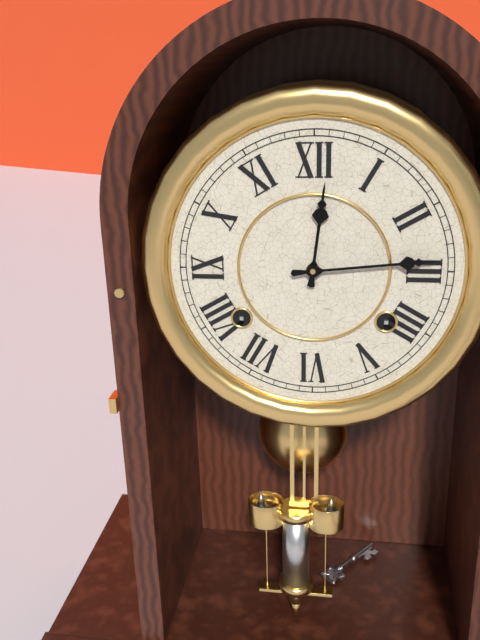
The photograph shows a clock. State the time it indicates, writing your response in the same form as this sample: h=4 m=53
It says h=12 m=14
